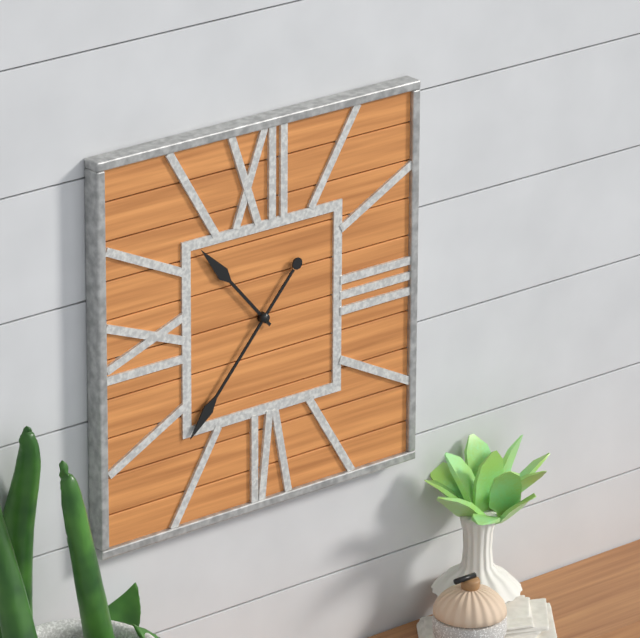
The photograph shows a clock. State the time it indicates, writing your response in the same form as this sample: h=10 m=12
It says h=10 m=37
